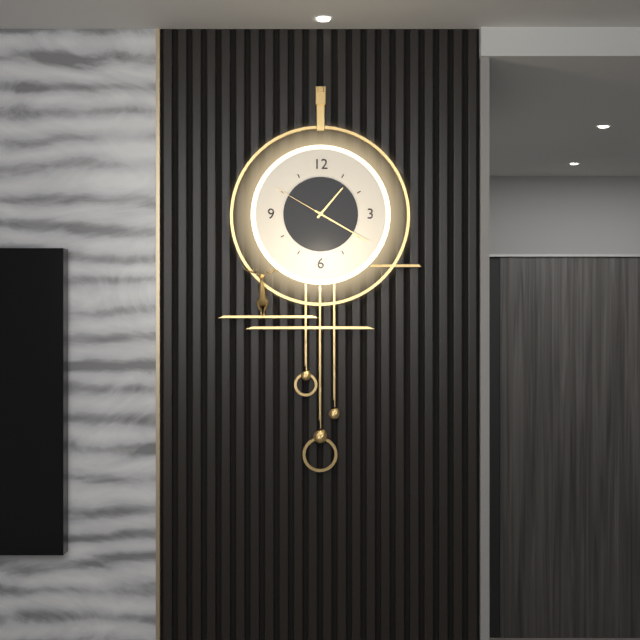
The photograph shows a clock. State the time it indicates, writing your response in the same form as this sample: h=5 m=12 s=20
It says h=1 m=20 s=50
